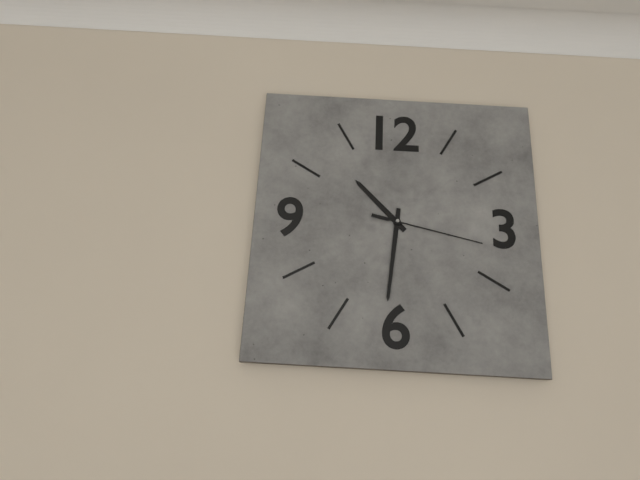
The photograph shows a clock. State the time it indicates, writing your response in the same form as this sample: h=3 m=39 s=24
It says h=10 m=31 s=17
